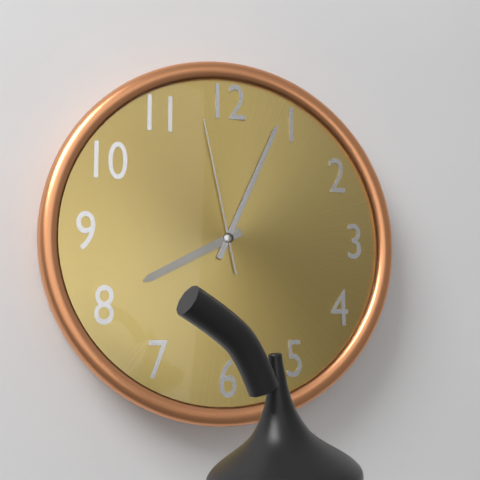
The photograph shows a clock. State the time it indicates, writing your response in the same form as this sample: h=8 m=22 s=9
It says h=8 m=4 s=58
